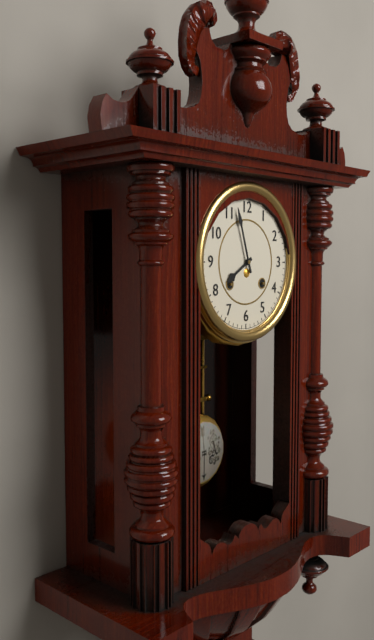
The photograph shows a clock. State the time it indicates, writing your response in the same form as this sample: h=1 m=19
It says h=7 m=57
